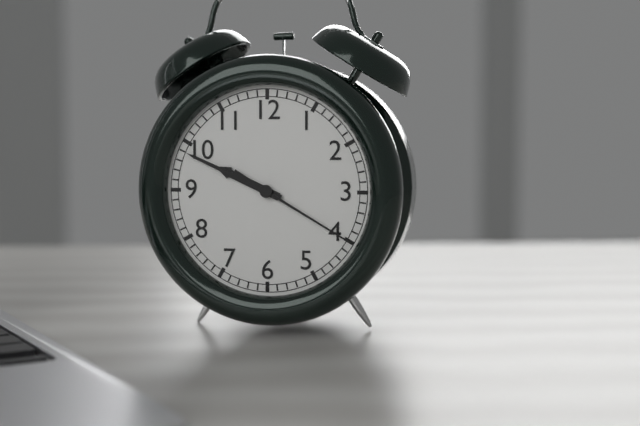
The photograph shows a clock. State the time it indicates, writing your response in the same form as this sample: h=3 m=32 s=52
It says h=9 m=49 s=20
